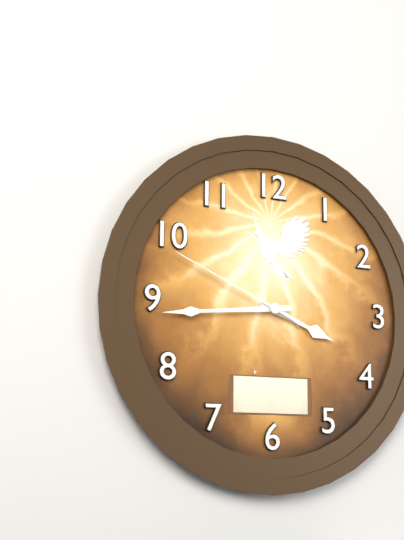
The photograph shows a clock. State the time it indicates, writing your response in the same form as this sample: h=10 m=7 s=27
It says h=3 m=44 s=49
